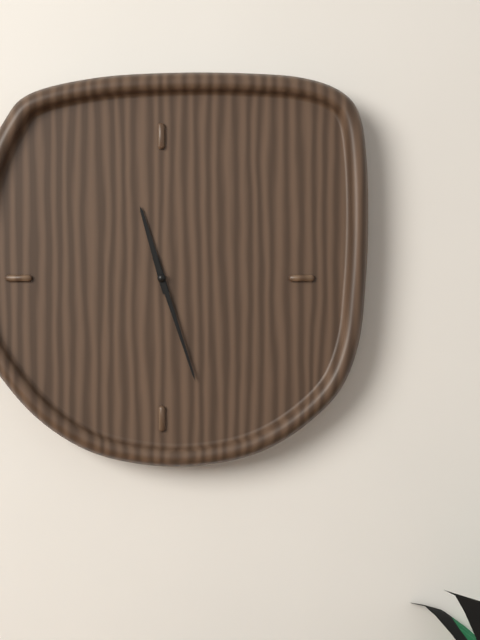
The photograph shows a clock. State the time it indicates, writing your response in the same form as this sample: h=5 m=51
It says h=11 m=27
